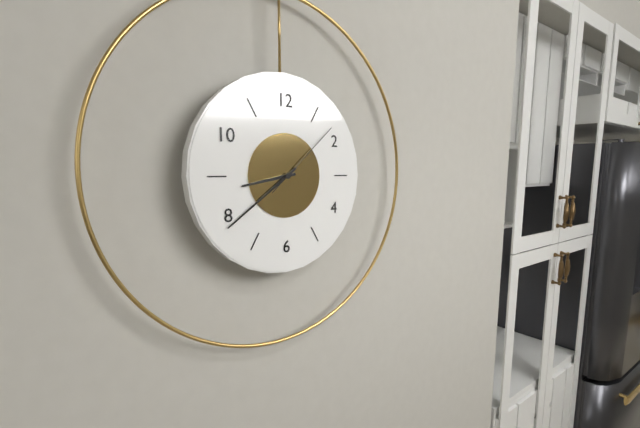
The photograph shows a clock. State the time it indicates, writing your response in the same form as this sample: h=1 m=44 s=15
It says h=8 m=39 s=8
